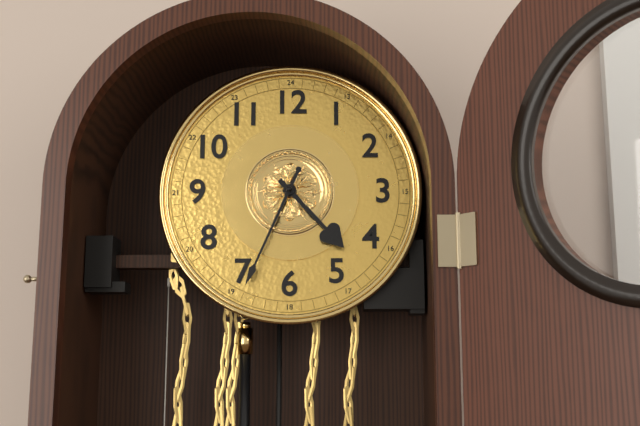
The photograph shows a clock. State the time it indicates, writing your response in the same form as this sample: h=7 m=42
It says h=4 m=34
